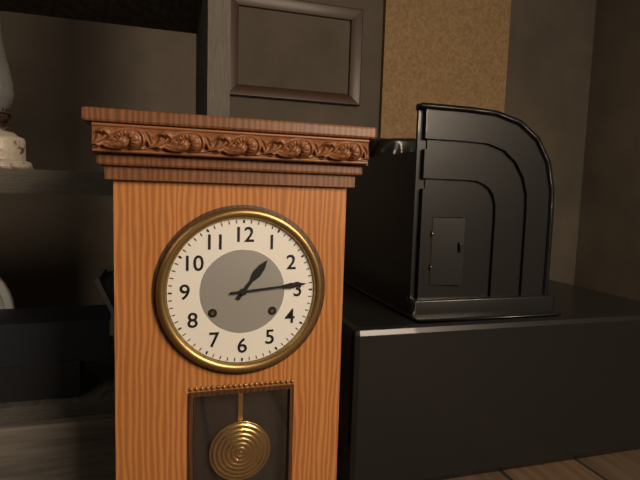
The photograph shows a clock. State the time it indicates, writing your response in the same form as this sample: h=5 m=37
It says h=1 m=14
